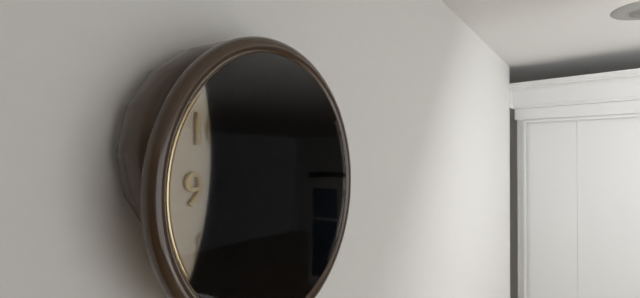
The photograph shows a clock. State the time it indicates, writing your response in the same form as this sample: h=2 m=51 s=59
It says h=1 m=28 s=39
